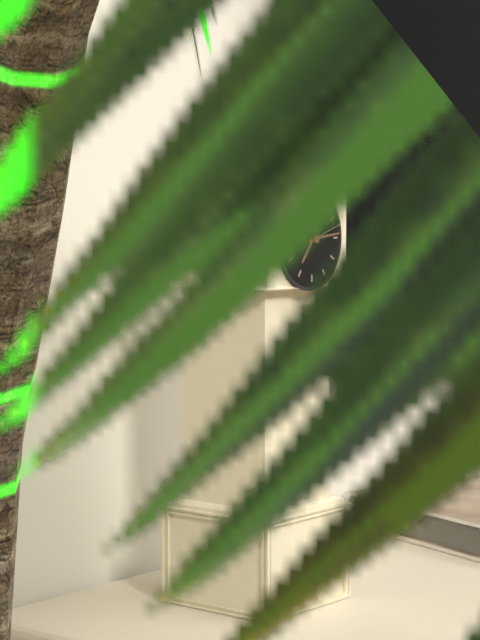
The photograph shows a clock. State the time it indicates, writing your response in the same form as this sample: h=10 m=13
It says h=7 m=14
